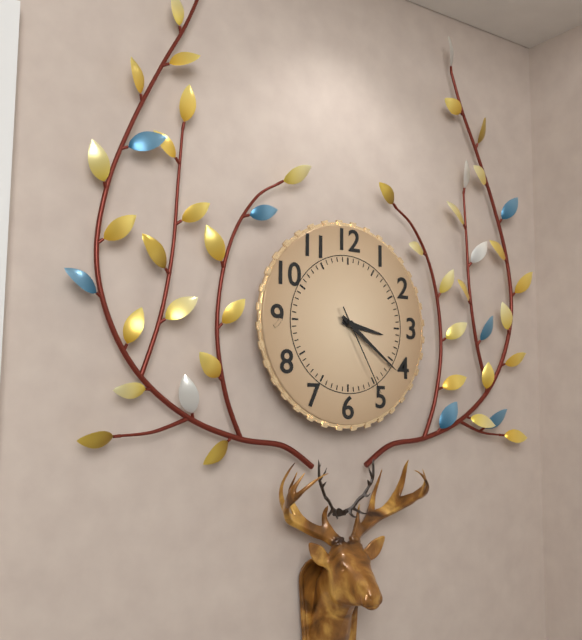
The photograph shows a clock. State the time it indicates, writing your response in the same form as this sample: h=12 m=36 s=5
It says h=3 m=21 s=25
